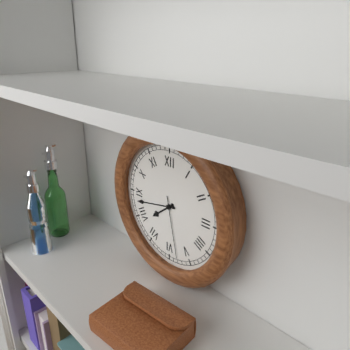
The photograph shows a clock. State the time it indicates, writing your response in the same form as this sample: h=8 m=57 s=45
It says h=7 m=43 s=28
